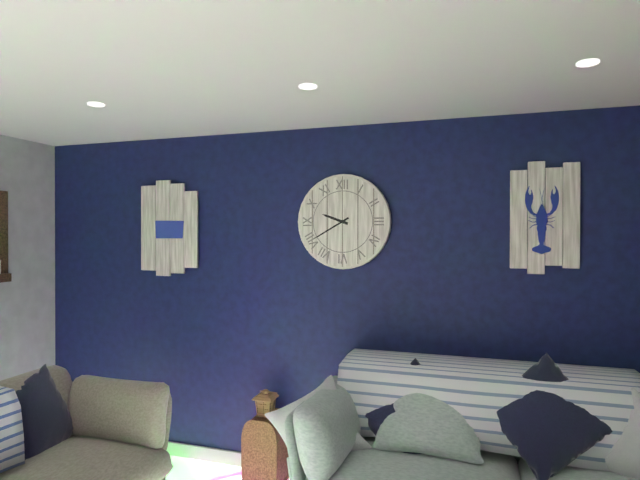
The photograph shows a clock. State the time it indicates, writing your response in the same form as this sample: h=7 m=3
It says h=9 m=40
